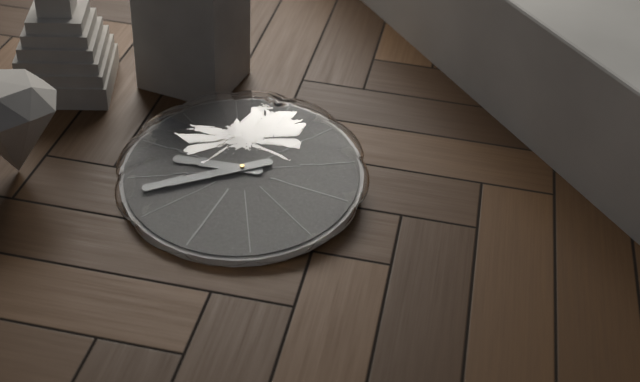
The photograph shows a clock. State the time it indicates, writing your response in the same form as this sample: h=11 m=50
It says h=8 m=38
